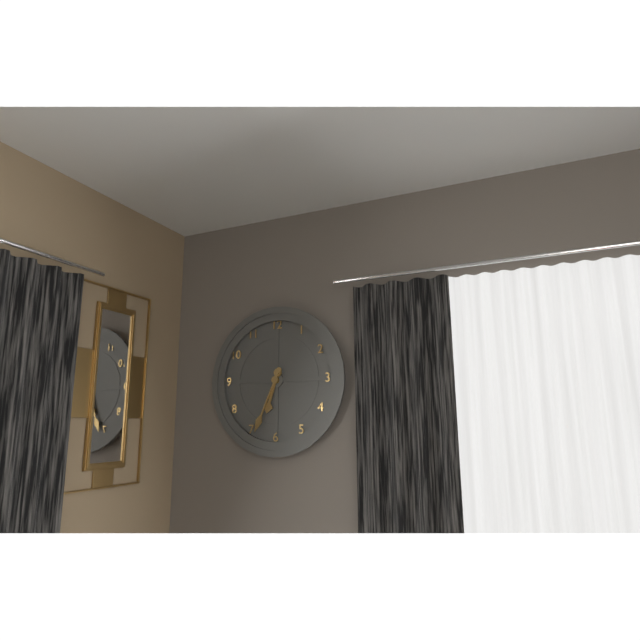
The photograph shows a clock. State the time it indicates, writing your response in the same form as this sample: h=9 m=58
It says h=6 m=34
